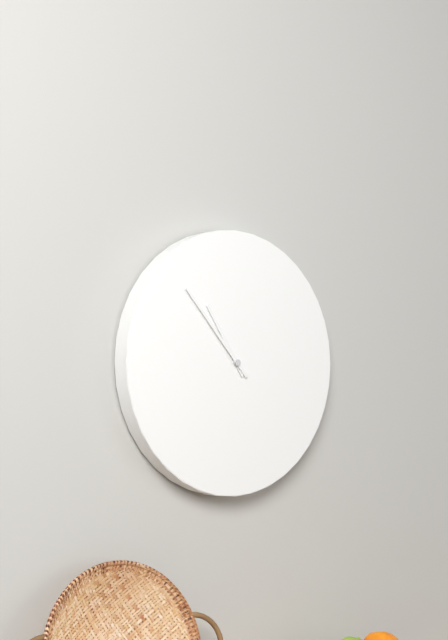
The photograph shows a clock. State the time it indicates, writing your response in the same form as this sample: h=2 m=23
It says h=10 m=53
